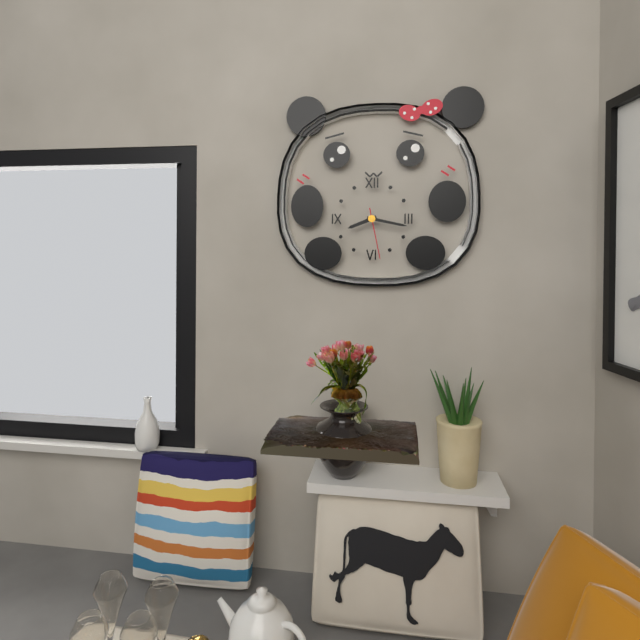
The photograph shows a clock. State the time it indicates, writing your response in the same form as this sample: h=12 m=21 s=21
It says h=8 m=17 s=28
